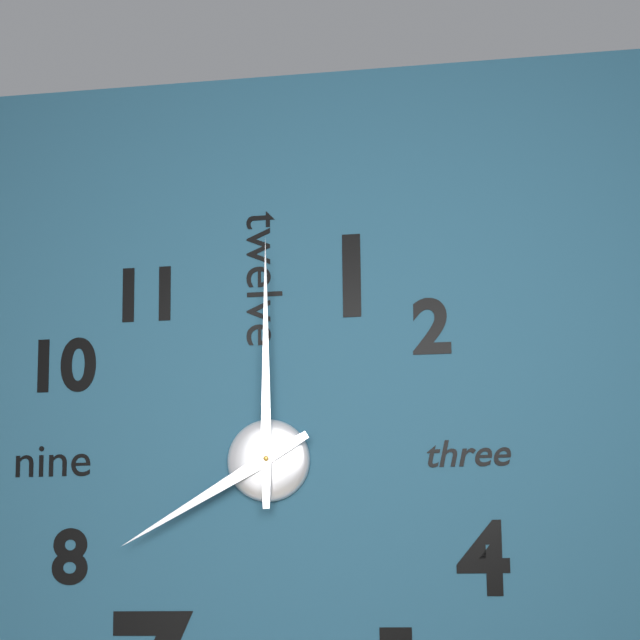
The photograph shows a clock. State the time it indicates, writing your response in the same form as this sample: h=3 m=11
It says h=8 m=0
